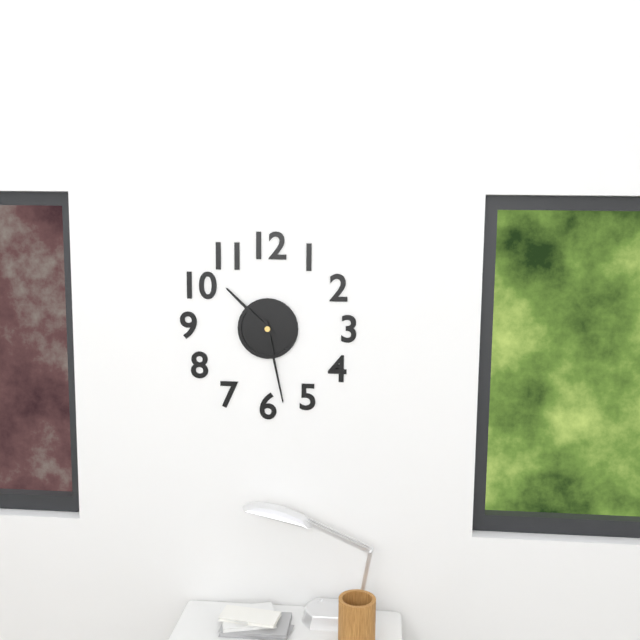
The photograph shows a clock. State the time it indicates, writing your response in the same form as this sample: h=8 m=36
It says h=10 m=28
